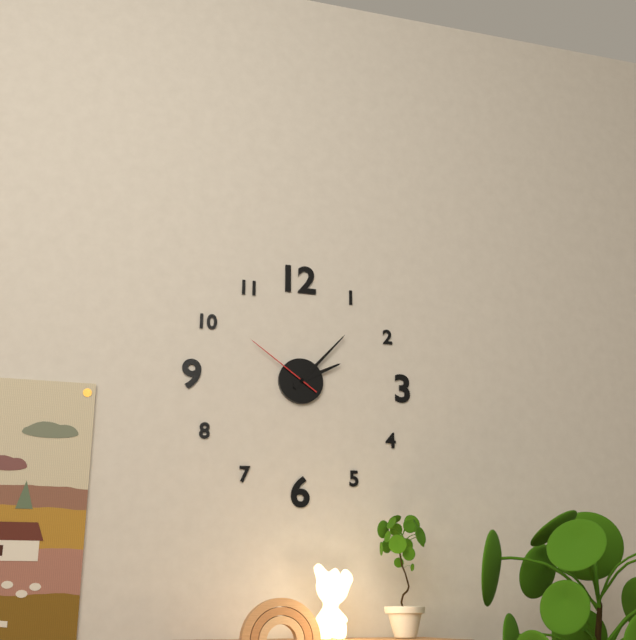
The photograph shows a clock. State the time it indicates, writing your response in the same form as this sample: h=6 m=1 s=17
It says h=2 m=7 s=51
